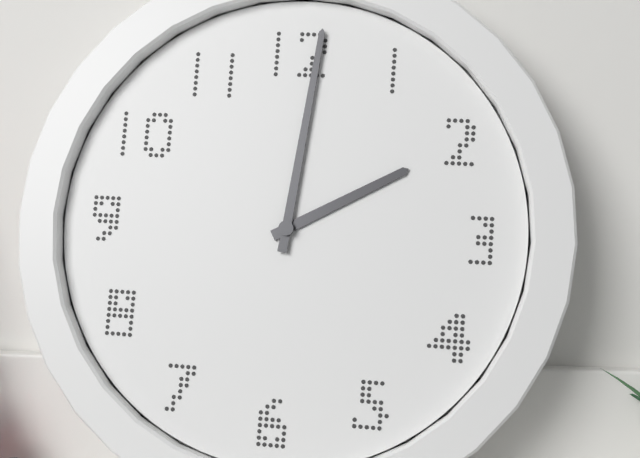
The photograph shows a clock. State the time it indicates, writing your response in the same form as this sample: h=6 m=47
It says h=2 m=1
